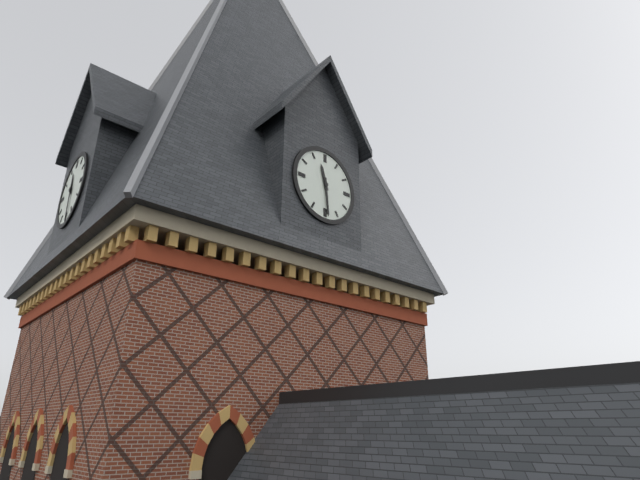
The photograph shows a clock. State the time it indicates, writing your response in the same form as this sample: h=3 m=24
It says h=11 m=29
